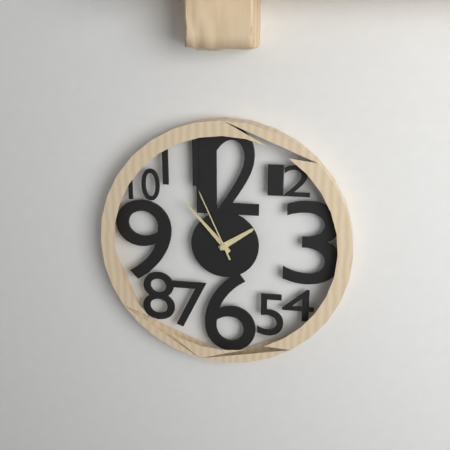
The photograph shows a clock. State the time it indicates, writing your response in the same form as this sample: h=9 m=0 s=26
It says h=1 m=53 s=56
